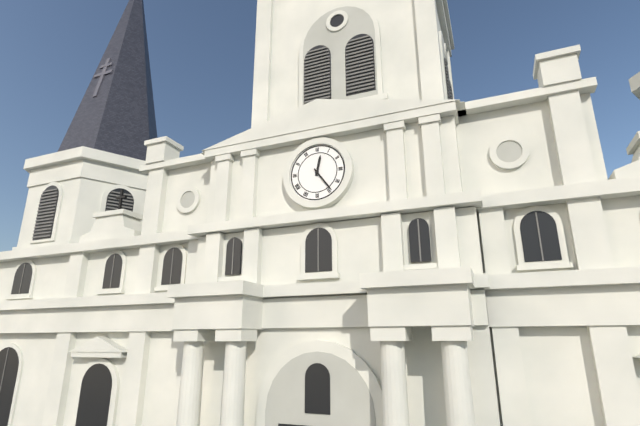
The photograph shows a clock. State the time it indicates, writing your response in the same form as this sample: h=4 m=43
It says h=12 m=24
